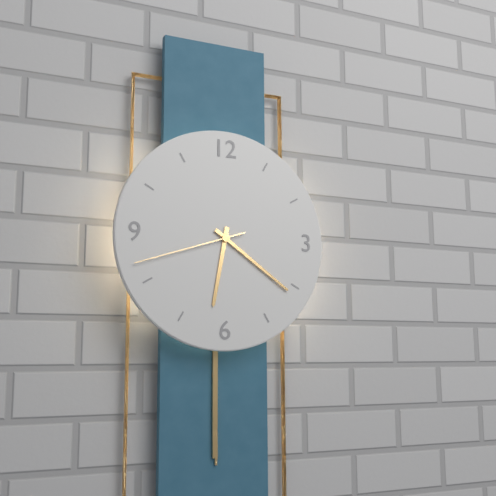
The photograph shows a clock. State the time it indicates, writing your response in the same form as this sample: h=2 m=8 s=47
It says h=6 m=21 s=42
